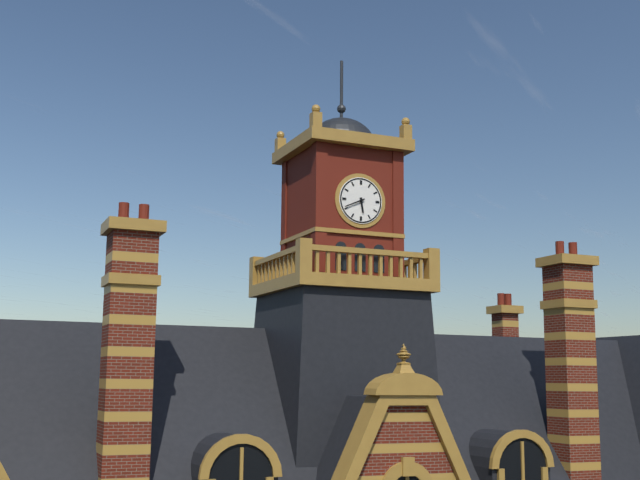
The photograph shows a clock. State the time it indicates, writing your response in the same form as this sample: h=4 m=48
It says h=5 m=41
